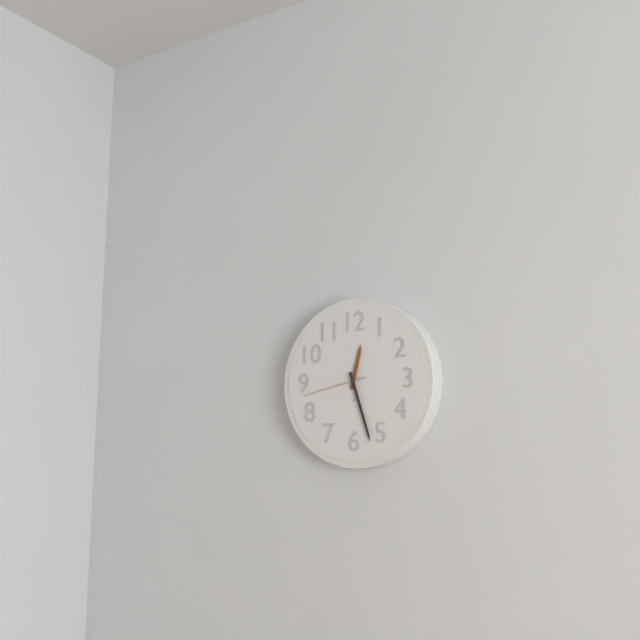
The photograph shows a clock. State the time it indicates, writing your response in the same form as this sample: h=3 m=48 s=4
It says h=12 m=27 s=43
